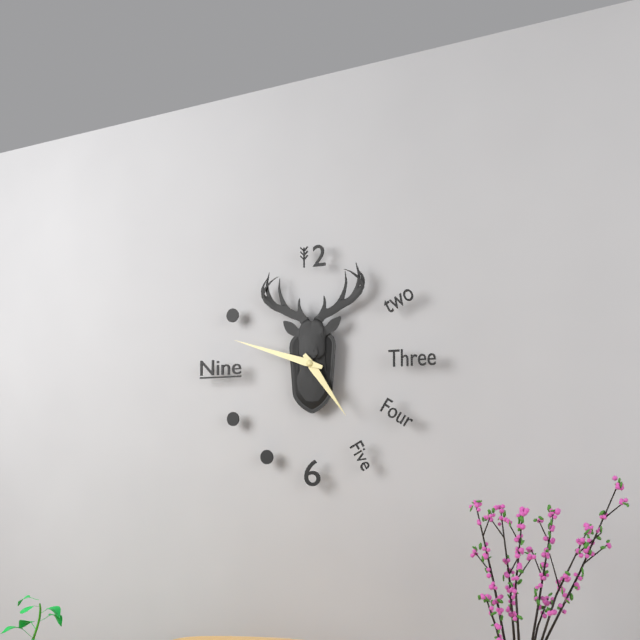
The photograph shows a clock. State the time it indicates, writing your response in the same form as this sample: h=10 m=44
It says h=4 m=48
